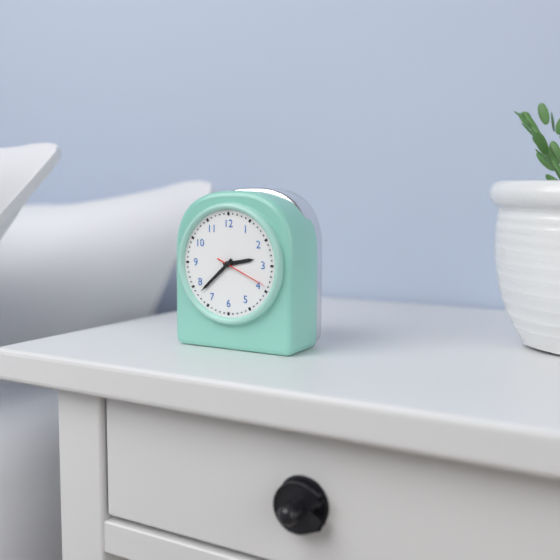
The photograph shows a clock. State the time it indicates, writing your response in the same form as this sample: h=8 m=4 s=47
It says h=2 m=38 s=19
